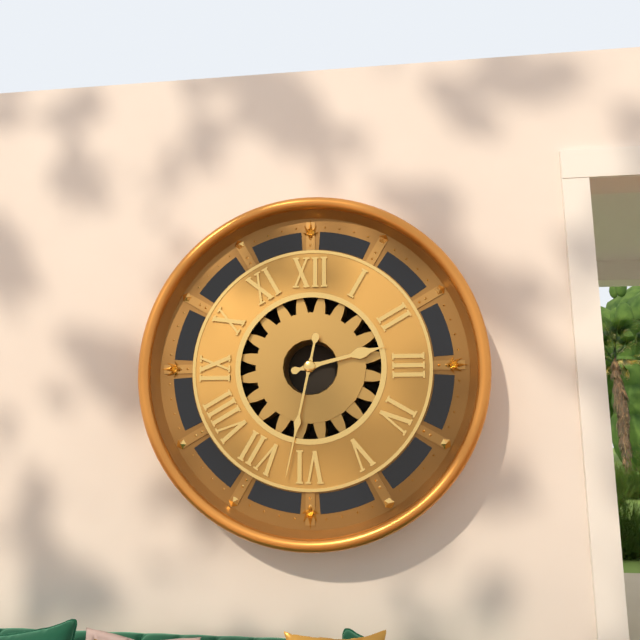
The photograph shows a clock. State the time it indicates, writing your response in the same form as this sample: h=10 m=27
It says h=2 m=32
